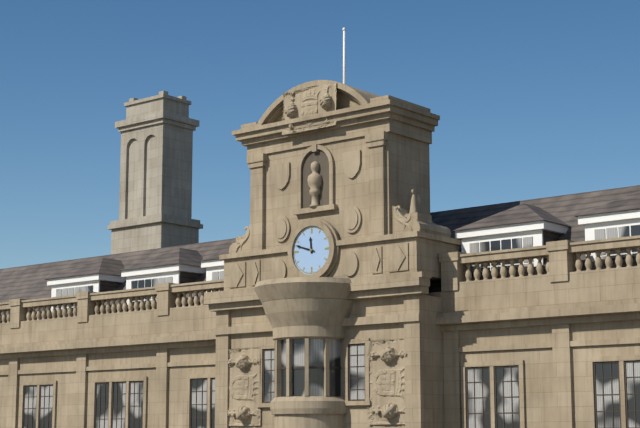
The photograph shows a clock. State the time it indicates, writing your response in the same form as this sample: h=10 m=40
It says h=11 m=48
